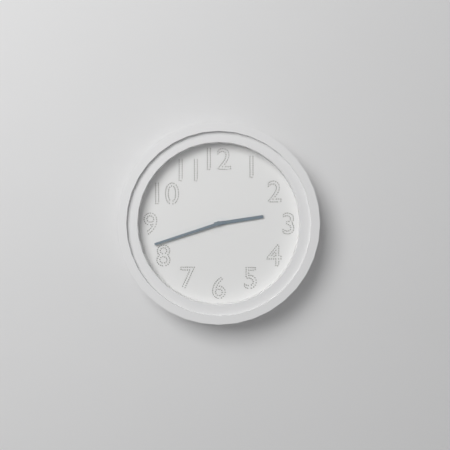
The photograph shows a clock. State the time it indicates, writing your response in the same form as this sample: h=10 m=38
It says h=2 m=42
